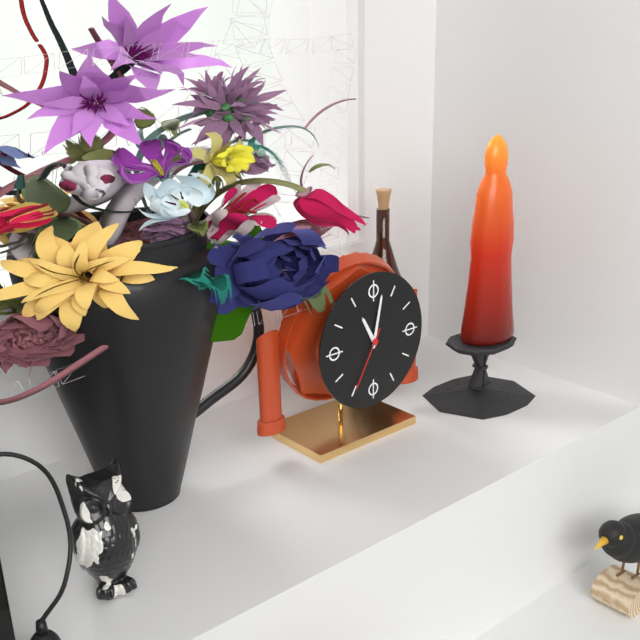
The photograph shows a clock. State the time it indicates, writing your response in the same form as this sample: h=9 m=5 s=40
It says h=11 m=2 s=35
